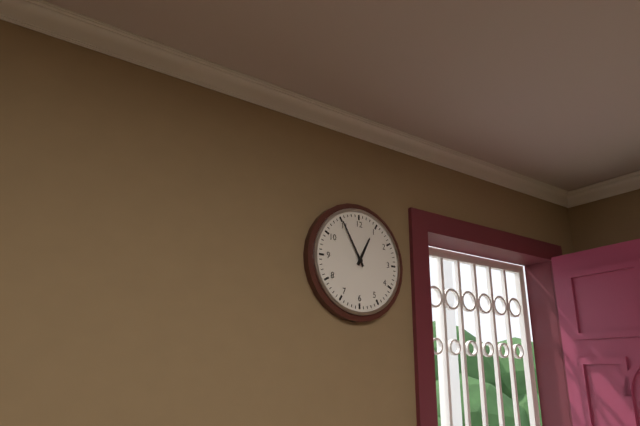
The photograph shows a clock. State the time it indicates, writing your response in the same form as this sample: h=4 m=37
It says h=12 m=55
